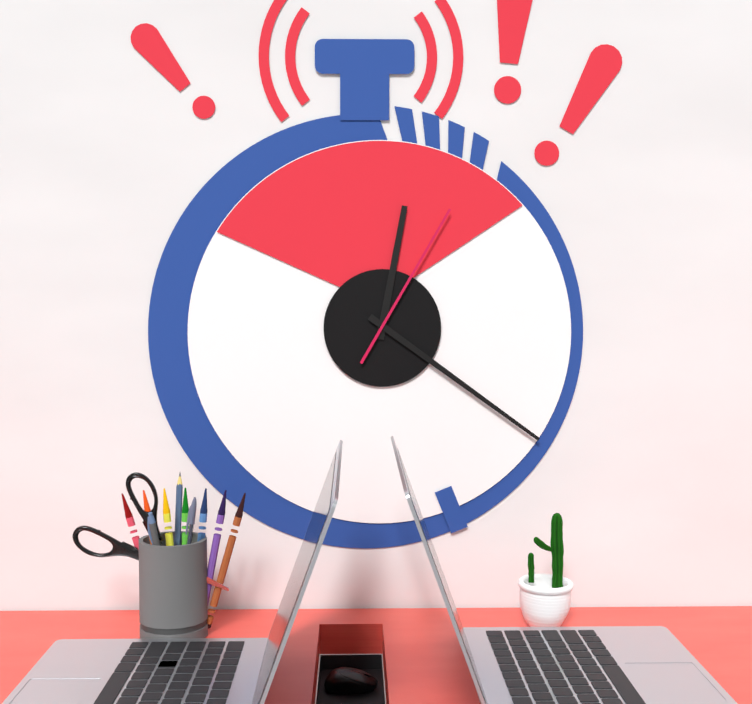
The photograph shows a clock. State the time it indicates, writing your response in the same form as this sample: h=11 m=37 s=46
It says h=12 m=21 s=5
